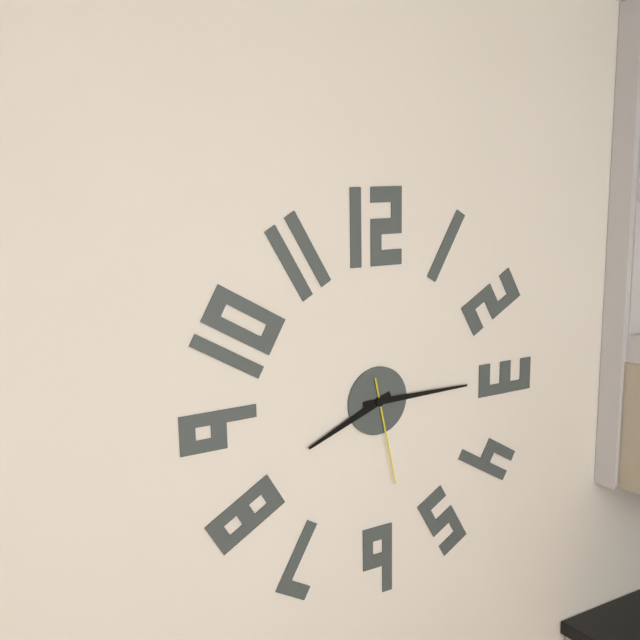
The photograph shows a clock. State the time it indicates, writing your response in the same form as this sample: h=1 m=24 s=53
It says h=8 m=15 s=28
